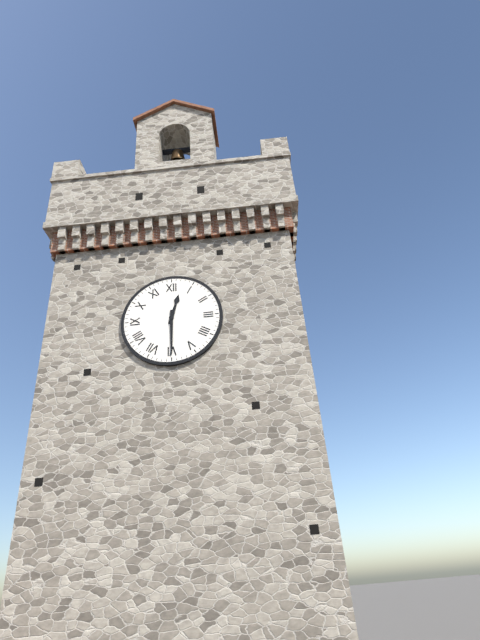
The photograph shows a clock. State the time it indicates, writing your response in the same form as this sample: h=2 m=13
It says h=12 m=30
